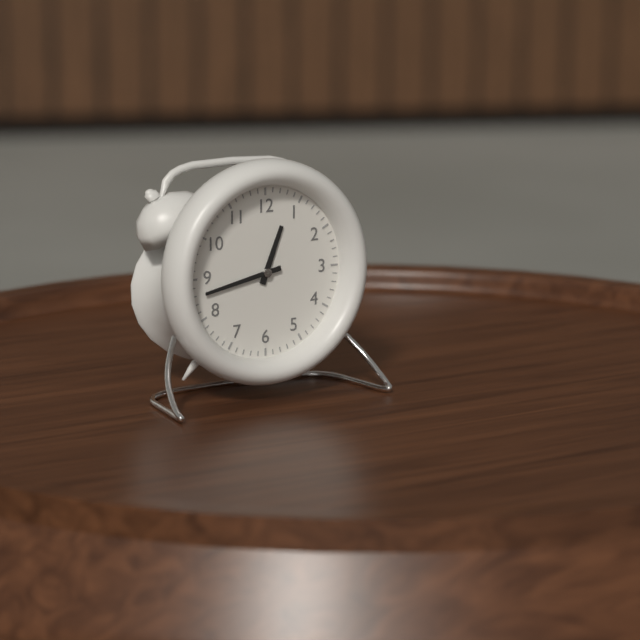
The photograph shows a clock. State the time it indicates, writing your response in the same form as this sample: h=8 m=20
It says h=12 m=43
